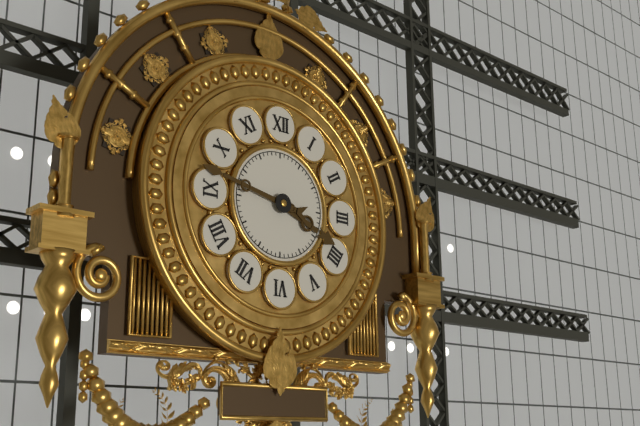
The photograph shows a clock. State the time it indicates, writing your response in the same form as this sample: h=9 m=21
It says h=3 m=47
